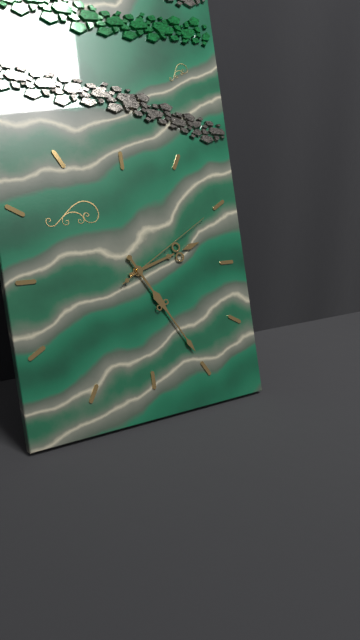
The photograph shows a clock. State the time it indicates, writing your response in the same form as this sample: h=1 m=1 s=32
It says h=2 m=25 s=10
